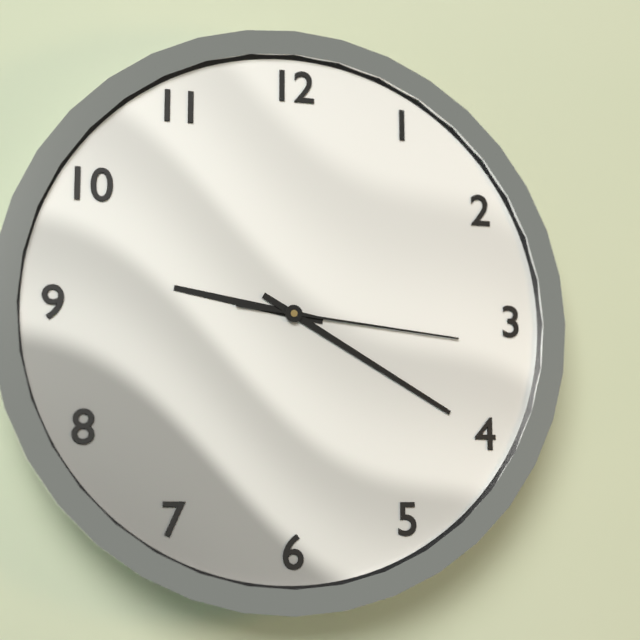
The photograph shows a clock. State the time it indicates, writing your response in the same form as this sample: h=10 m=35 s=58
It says h=9 m=20 s=16
